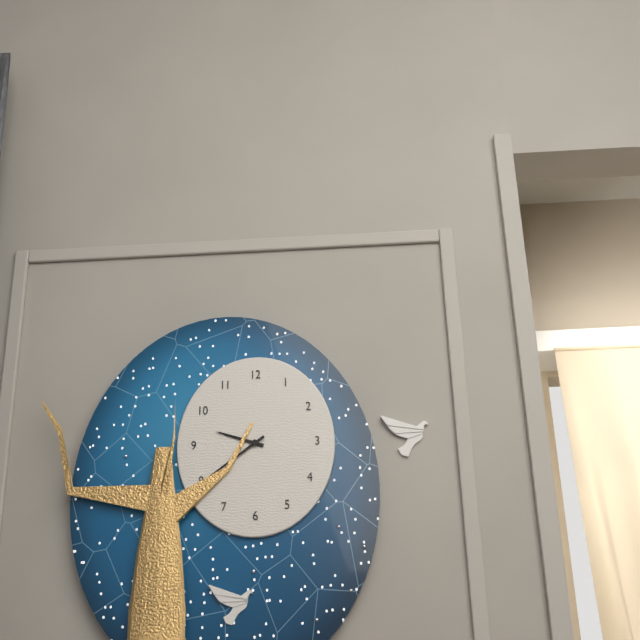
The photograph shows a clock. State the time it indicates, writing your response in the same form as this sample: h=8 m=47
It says h=9 m=39
